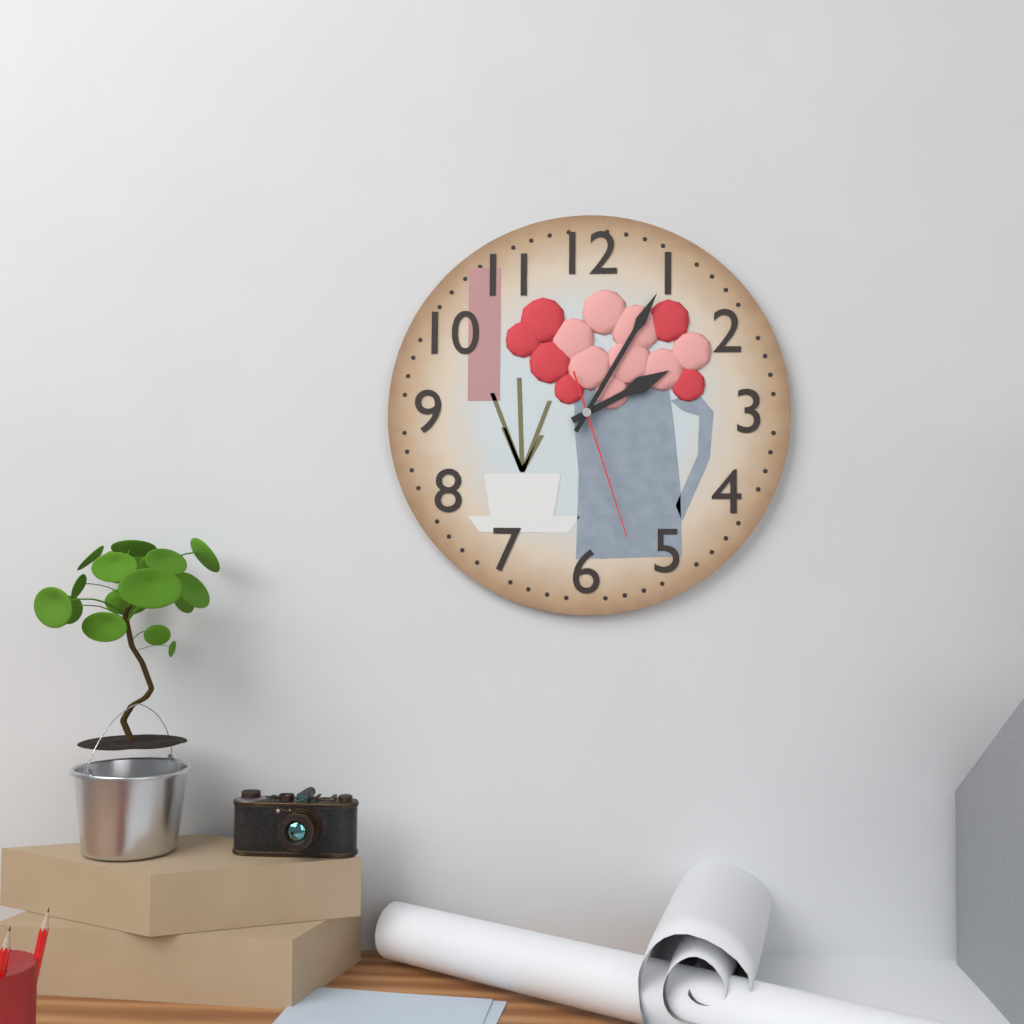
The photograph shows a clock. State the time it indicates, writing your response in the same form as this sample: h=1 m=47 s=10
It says h=2 m=5 s=27
